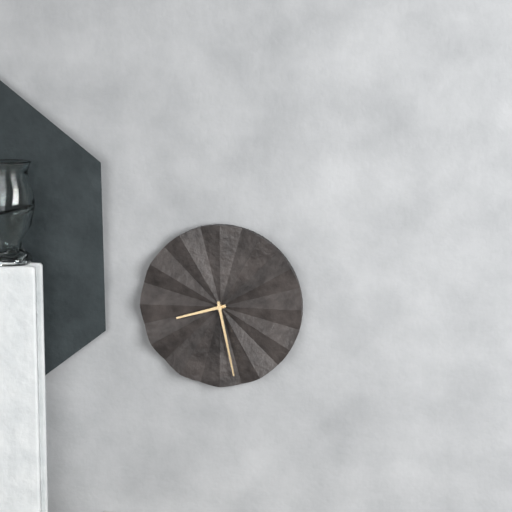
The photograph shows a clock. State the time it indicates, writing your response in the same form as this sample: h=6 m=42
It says h=8 m=28
